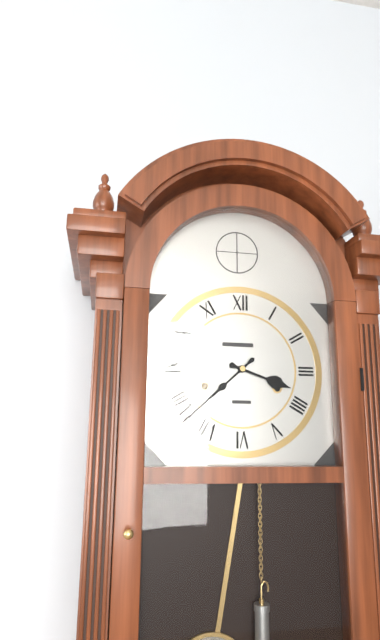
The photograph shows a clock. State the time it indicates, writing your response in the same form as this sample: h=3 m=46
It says h=3 m=38
